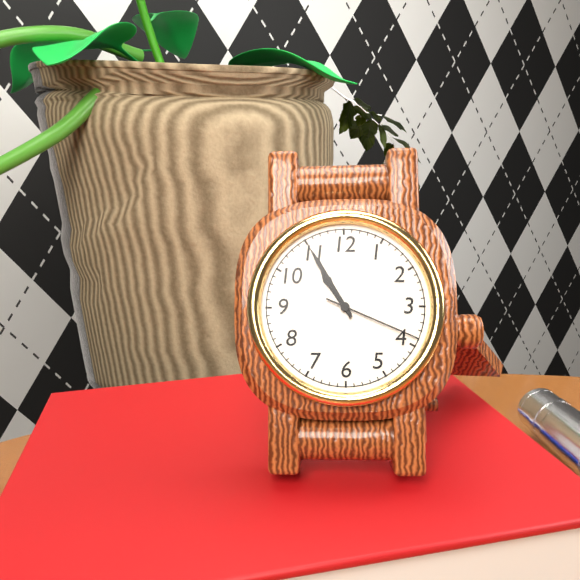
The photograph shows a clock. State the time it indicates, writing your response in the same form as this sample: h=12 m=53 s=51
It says h=10 m=55 s=19
